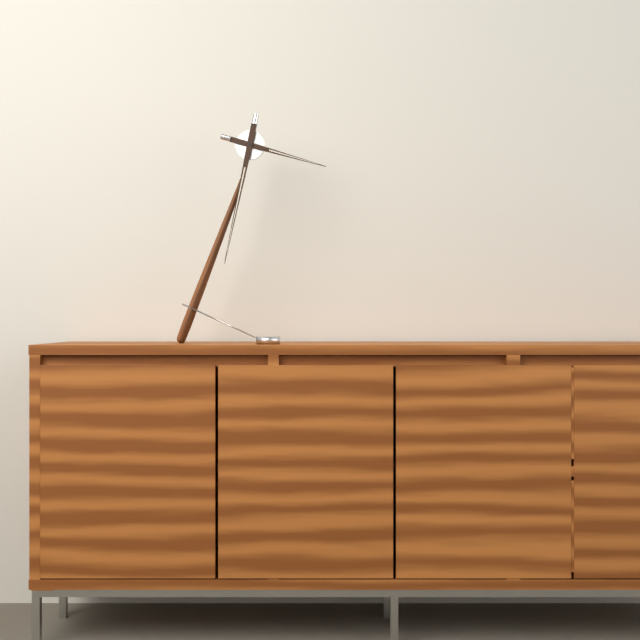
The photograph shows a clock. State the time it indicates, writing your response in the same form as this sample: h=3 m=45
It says h=3 m=32
